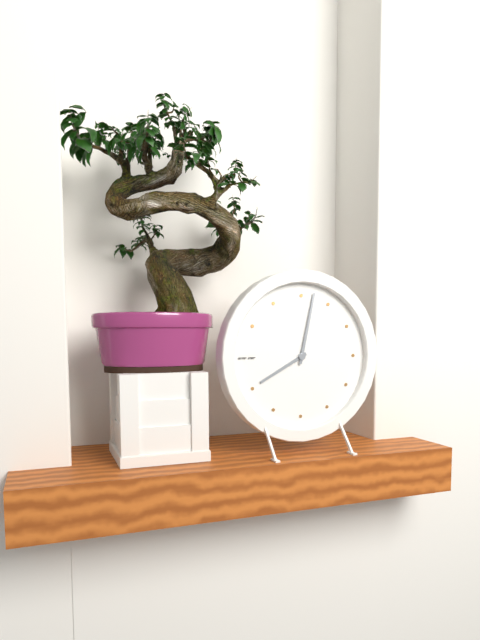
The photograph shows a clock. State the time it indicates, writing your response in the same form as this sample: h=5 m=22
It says h=8 m=2
